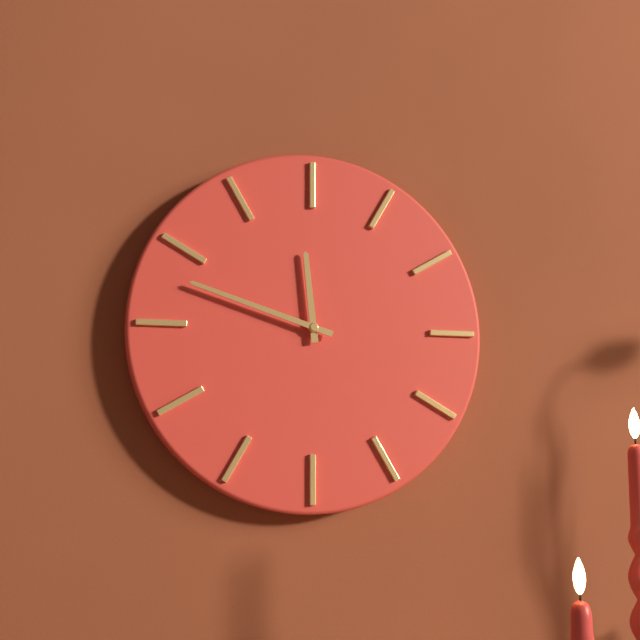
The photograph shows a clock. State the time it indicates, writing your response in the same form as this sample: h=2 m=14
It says h=11 m=48
